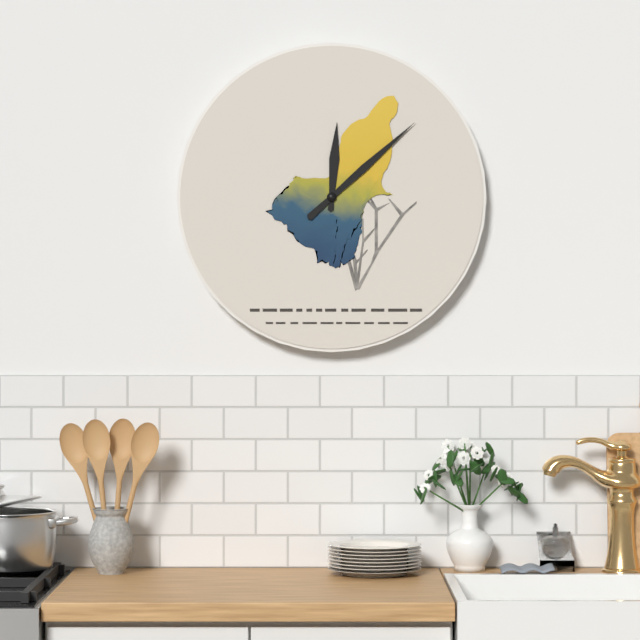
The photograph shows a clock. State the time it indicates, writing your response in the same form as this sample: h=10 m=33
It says h=12 m=8
